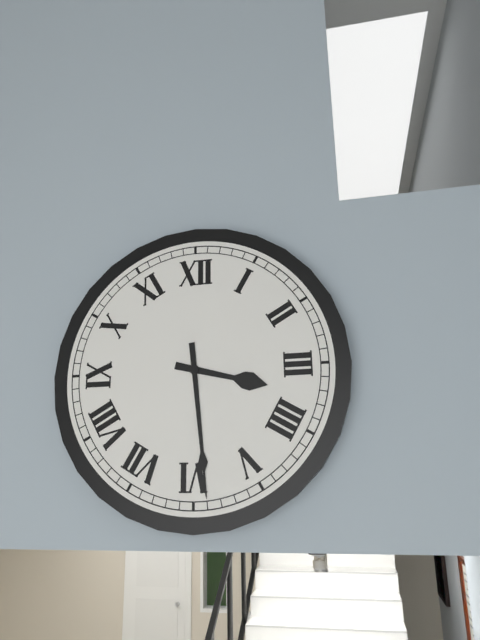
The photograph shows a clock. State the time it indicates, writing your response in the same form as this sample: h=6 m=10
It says h=3 m=29
